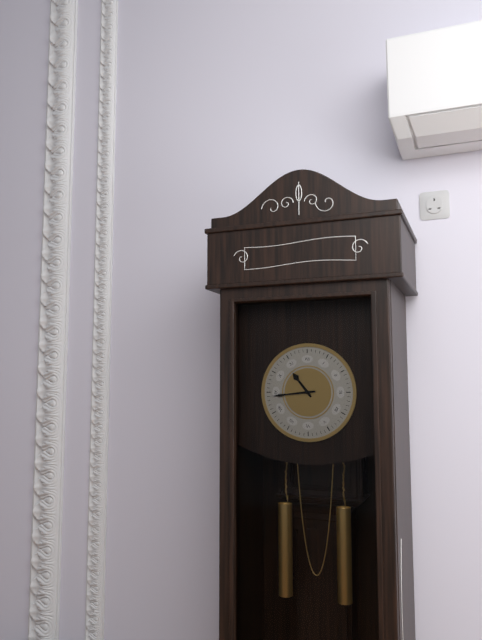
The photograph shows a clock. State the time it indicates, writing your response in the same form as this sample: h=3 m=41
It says h=10 m=44
